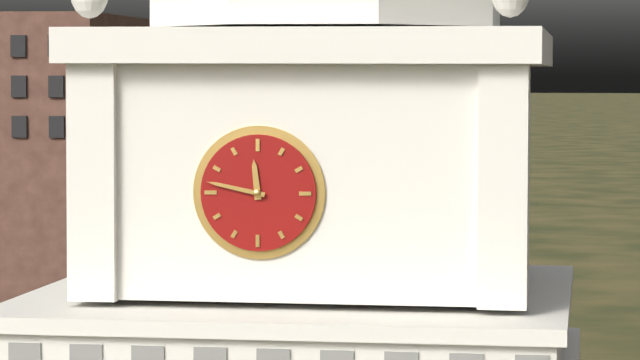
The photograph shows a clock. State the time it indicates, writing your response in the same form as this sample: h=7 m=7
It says h=11 m=47
